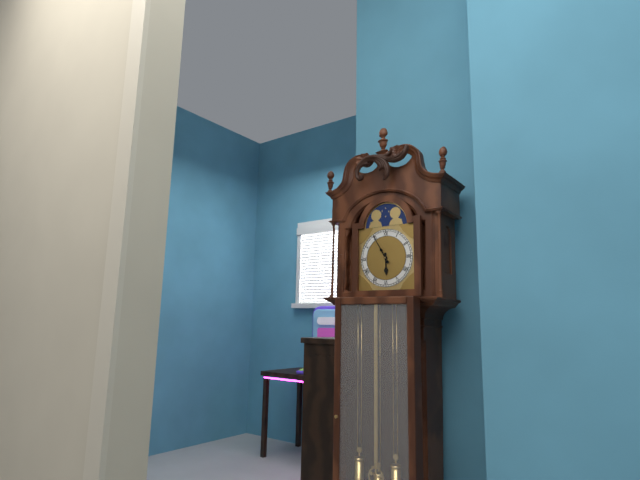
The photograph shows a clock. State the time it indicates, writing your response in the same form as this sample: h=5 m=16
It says h=5 m=55
